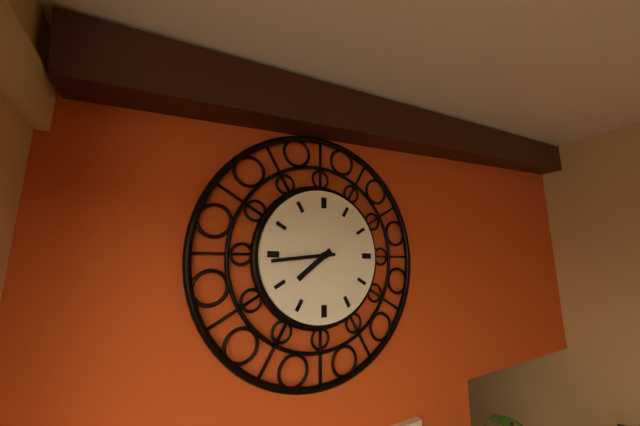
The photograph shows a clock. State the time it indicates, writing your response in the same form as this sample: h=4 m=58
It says h=7 m=44
